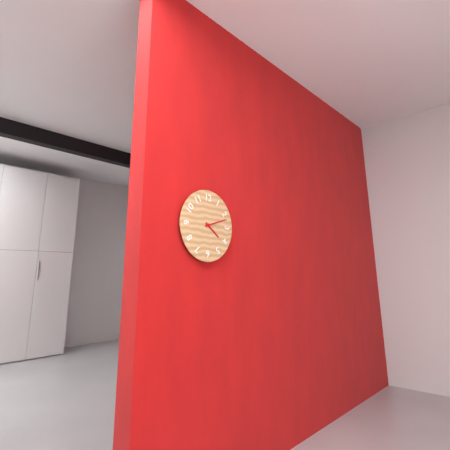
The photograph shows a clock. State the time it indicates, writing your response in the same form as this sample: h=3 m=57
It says h=4 m=12
